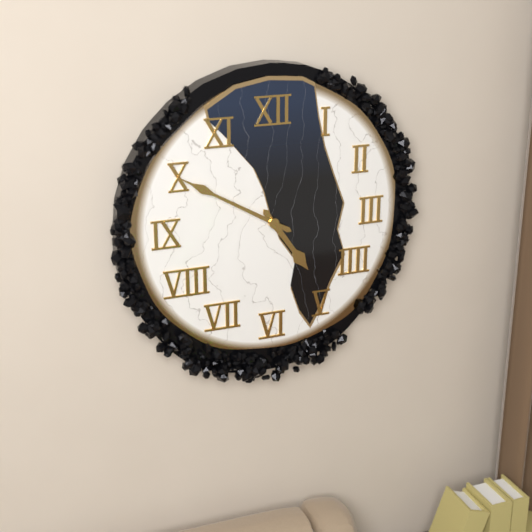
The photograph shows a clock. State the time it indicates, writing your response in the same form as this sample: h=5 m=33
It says h=4 m=50
